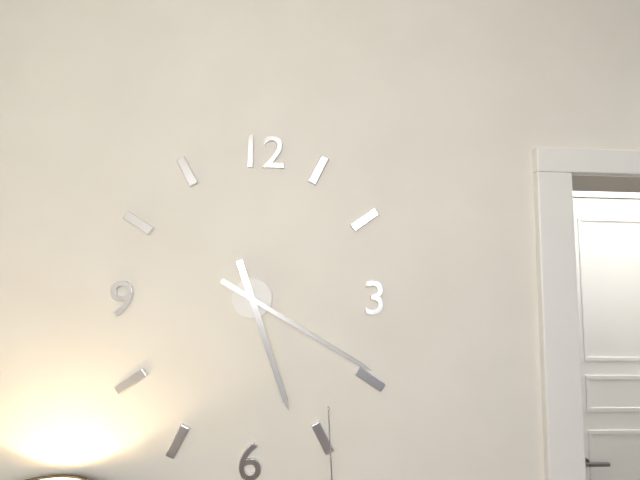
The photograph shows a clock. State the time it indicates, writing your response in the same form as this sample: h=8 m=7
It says h=5 m=20
